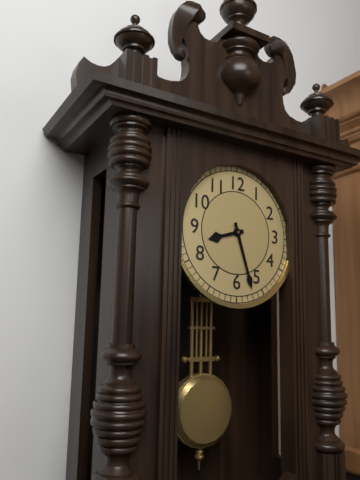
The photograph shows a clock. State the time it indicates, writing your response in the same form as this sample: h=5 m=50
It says h=8 m=27
